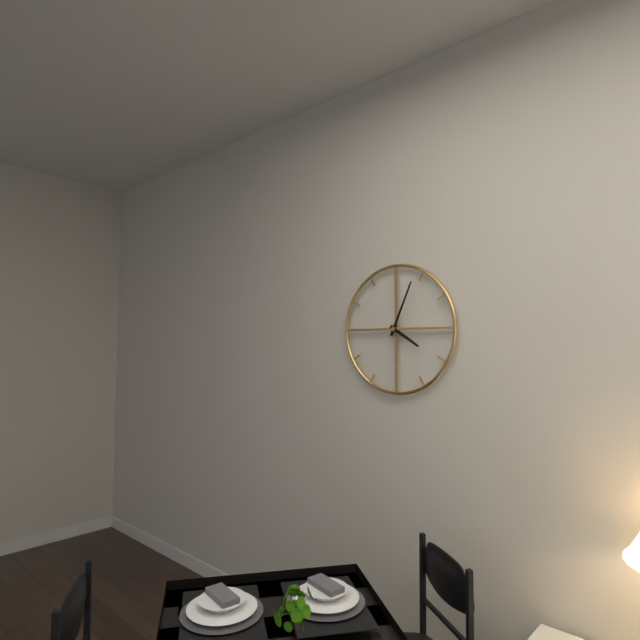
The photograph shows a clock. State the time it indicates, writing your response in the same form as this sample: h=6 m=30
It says h=4 m=4
